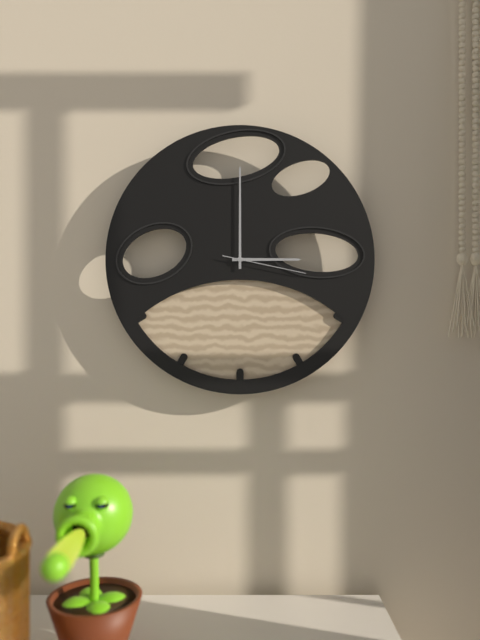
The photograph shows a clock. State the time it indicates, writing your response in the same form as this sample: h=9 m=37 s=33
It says h=3 m=0 s=17
